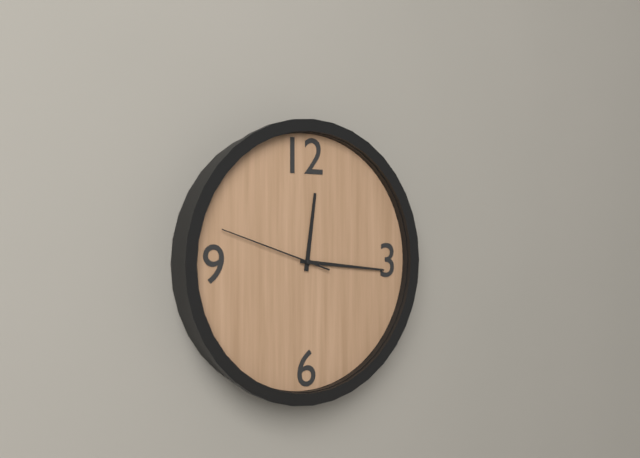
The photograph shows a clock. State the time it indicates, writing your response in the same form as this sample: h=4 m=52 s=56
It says h=12 m=16 s=48
